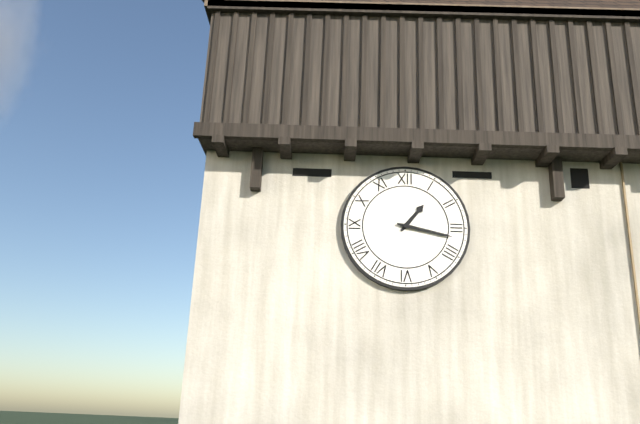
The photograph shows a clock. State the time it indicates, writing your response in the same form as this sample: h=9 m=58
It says h=1 m=17
